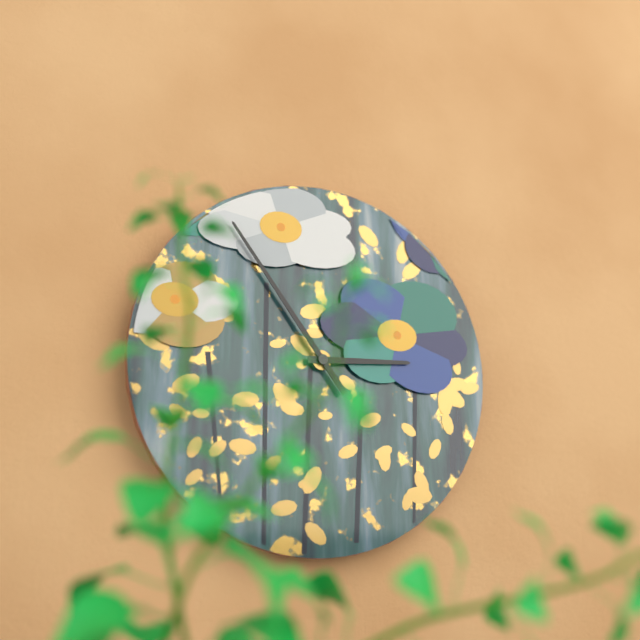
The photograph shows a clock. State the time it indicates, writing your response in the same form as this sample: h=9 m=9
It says h=2 m=54
